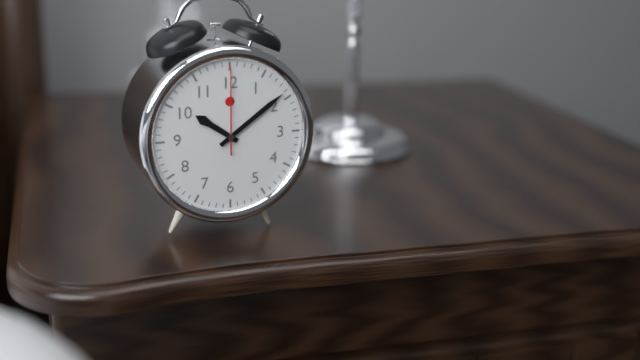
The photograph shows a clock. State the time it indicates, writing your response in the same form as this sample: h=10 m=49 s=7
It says h=10 m=9 s=0
